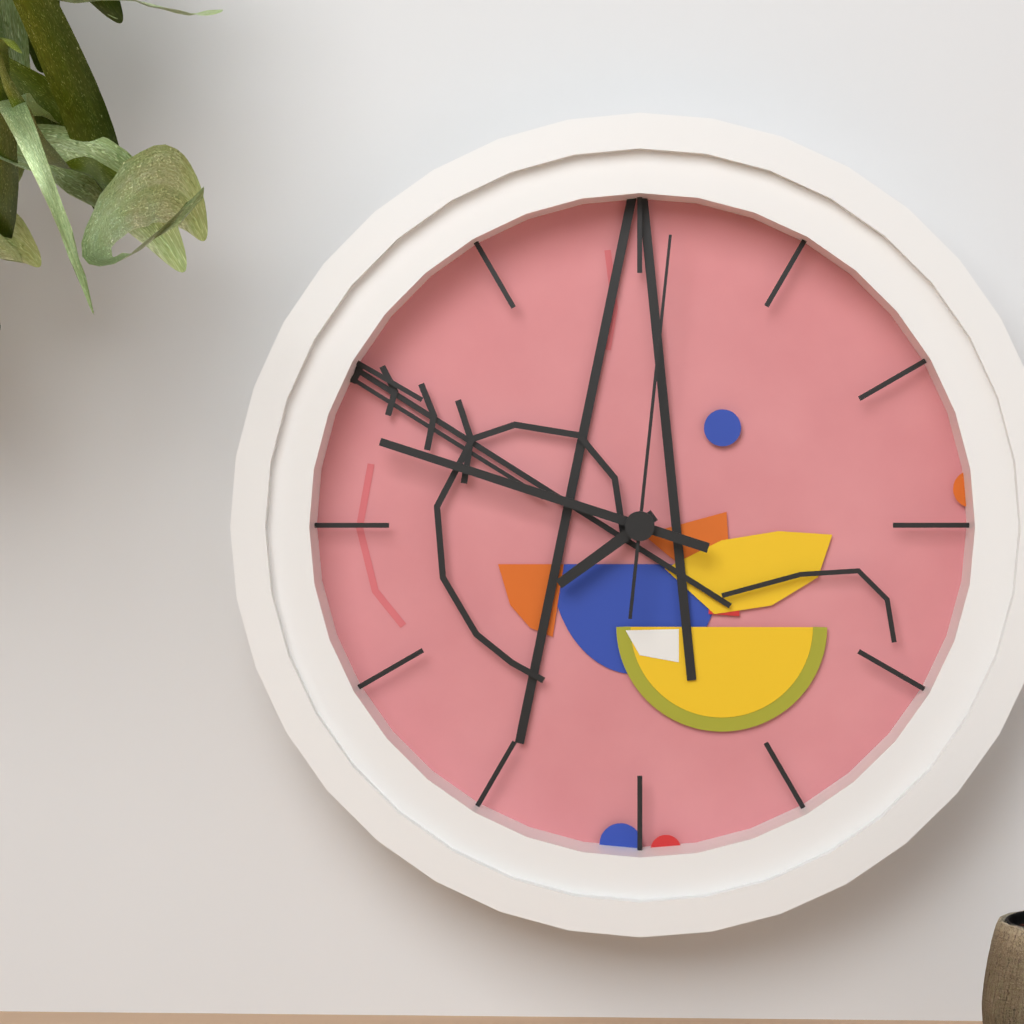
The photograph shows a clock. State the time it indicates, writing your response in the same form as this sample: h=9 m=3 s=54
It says h=7 m=48 s=1
